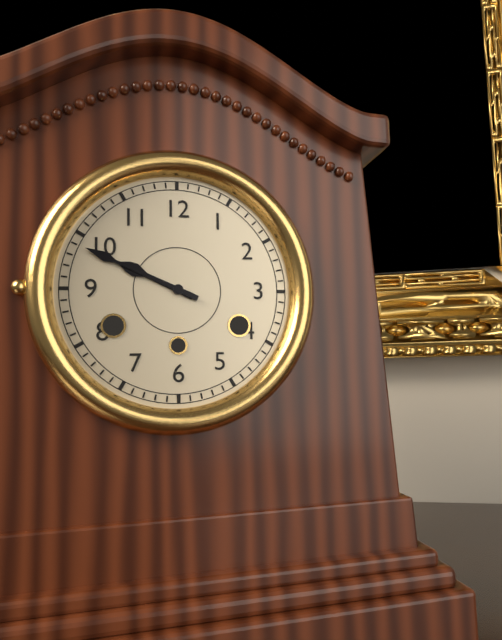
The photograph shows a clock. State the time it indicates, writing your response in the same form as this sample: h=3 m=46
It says h=9 m=49
